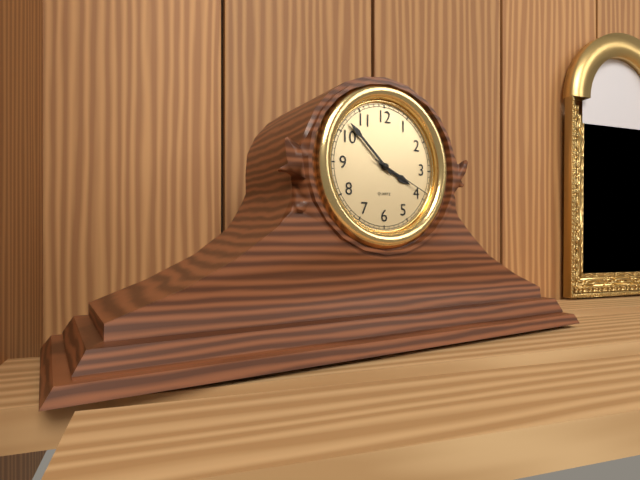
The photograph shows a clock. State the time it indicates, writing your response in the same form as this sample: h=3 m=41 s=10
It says h=3 m=52 s=19
